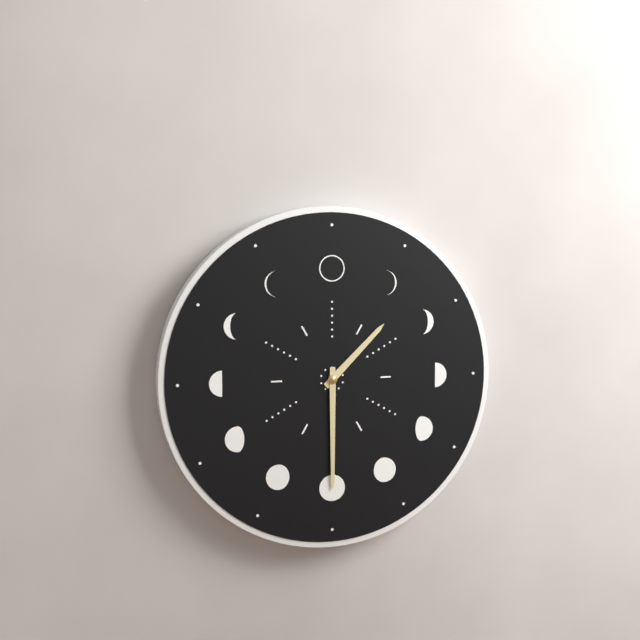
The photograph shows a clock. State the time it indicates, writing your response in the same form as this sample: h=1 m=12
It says h=1 m=30
